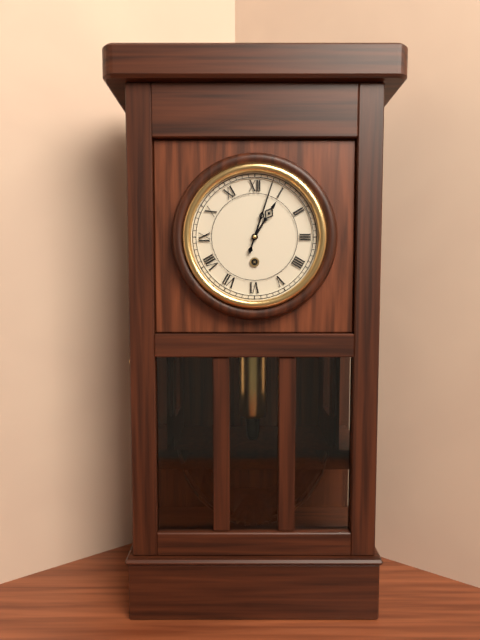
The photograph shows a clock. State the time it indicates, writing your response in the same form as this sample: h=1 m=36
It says h=1 m=3
